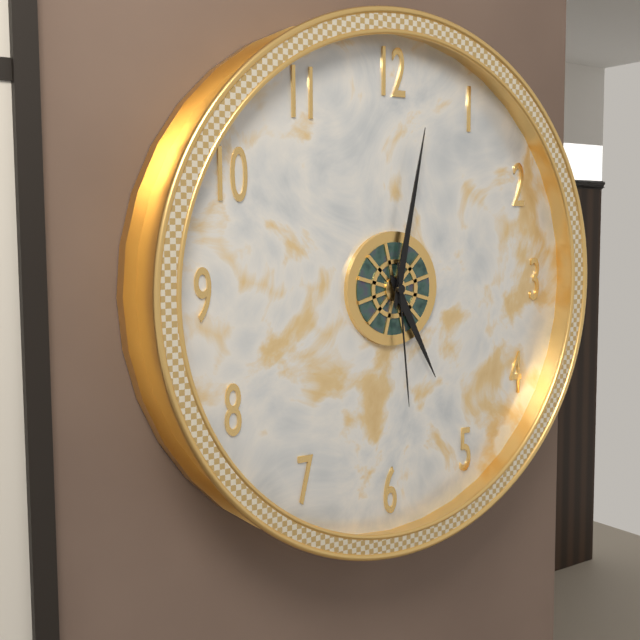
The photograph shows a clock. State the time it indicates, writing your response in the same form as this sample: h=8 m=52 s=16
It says h=5 m=2 s=29
